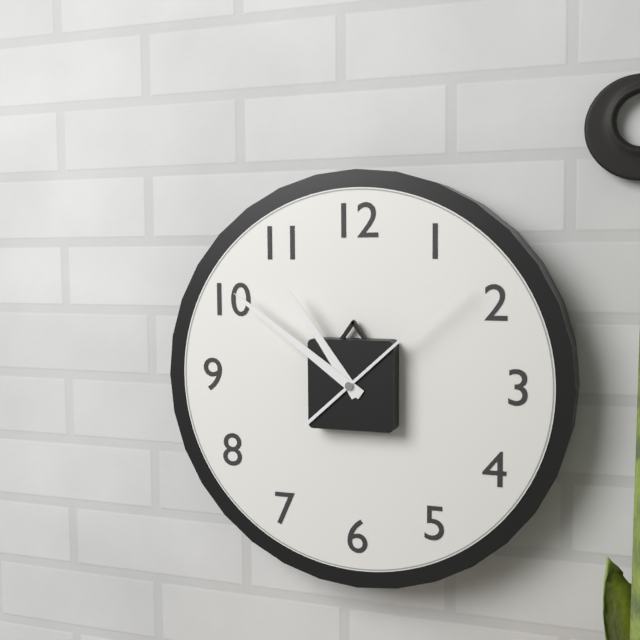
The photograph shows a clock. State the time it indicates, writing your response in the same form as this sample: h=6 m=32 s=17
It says h=10 m=51 s=8
